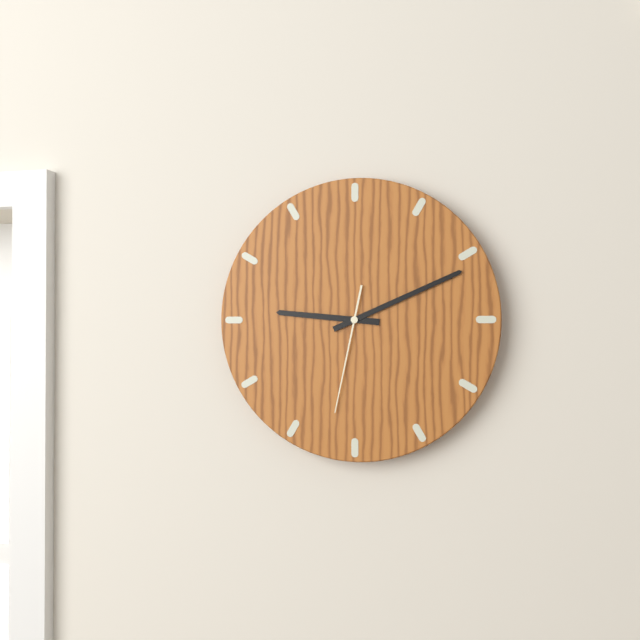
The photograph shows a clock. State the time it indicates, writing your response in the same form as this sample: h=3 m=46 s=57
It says h=9 m=11 s=32
